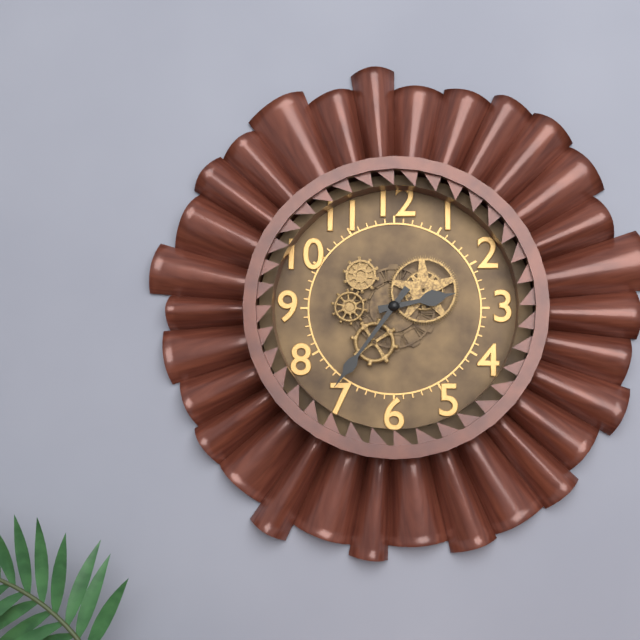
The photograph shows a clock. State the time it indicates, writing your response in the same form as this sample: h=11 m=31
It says h=2 m=36
